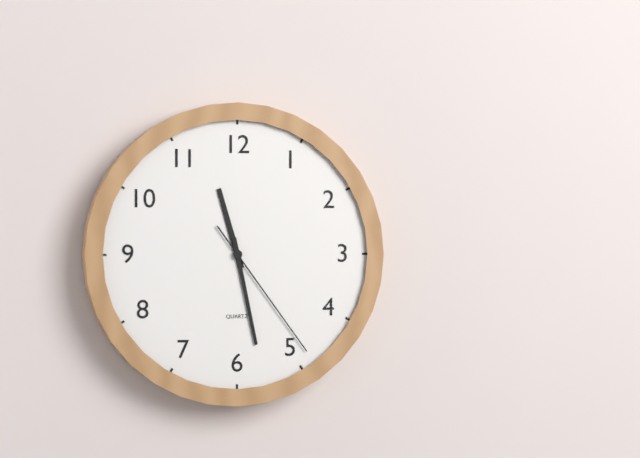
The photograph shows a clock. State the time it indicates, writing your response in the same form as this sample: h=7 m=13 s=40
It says h=11 m=28 s=24
